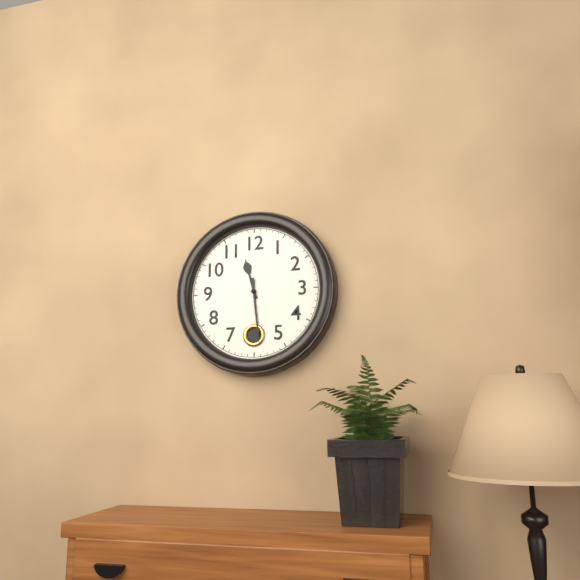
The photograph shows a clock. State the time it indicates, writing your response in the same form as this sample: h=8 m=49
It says h=11 m=29
